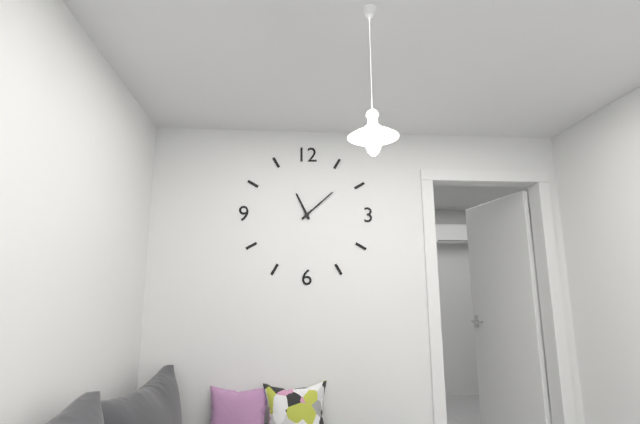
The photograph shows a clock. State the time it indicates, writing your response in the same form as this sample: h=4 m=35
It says h=11 m=8
